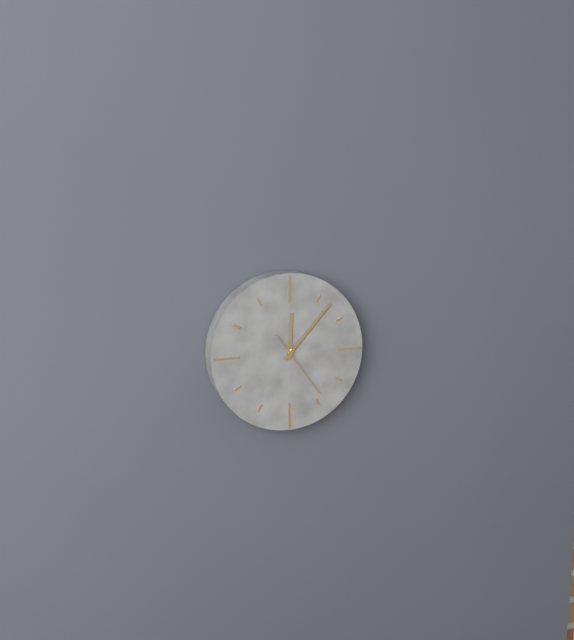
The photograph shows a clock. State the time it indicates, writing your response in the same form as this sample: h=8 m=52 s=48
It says h=12 m=7 s=24
